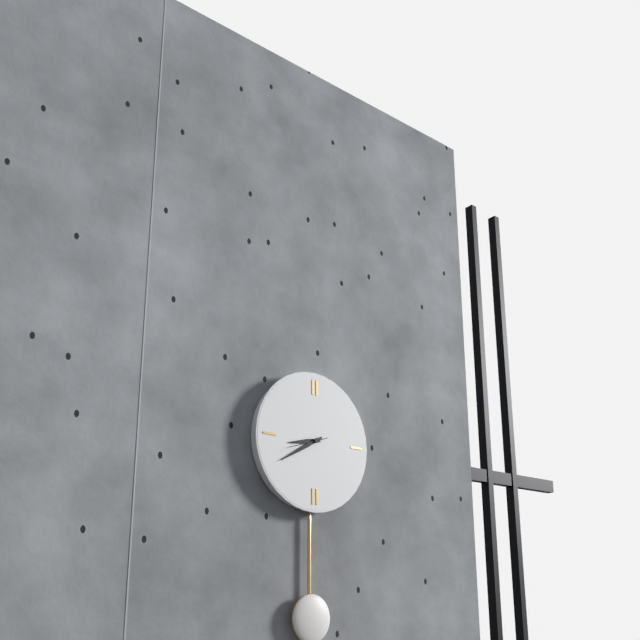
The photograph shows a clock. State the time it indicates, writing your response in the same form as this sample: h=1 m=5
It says h=8 m=40
